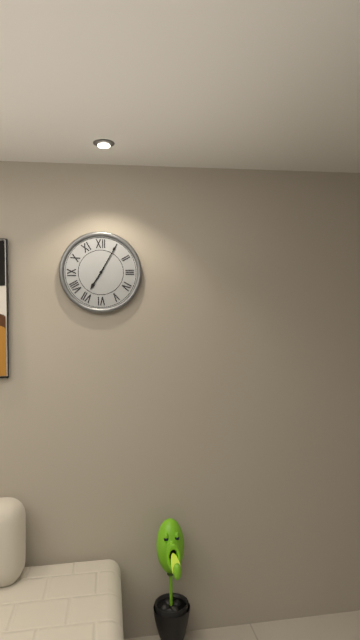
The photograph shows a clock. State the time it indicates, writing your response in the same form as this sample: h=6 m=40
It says h=7 m=5
